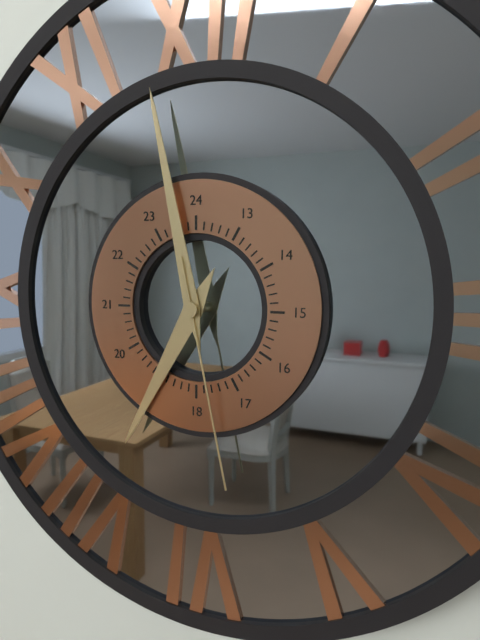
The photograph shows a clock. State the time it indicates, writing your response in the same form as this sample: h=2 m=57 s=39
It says h=6 m=58 s=28
